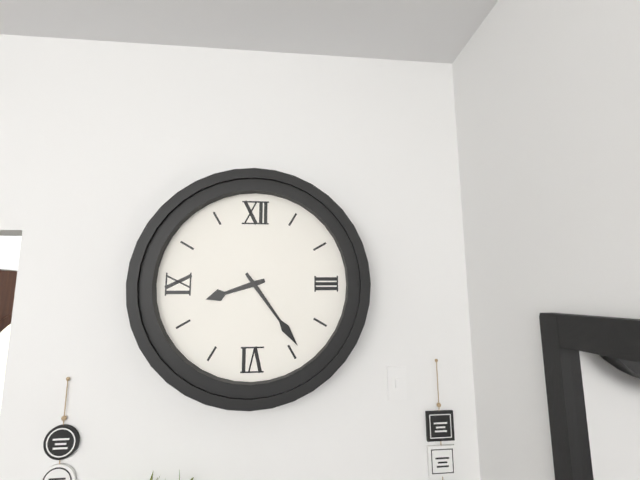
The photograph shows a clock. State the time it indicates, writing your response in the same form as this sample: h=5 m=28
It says h=8 m=24
